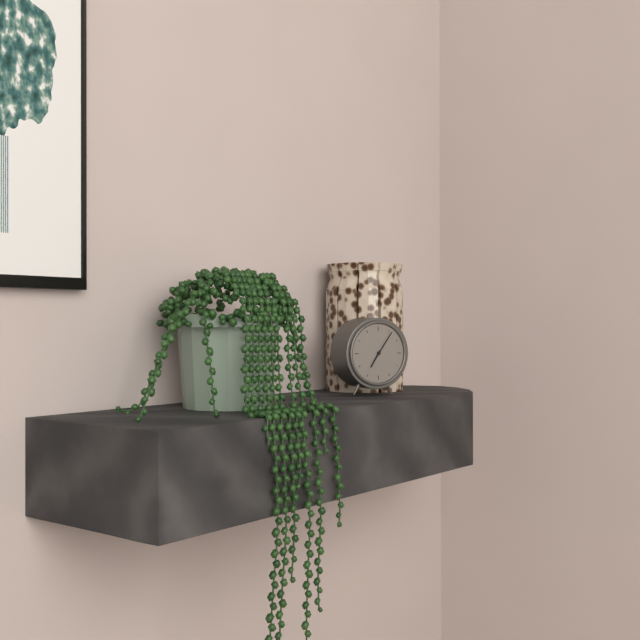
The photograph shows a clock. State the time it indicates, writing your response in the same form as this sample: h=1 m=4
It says h=7 m=6
